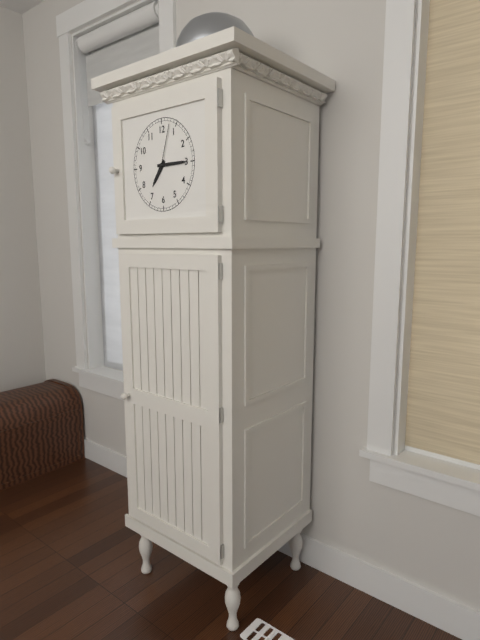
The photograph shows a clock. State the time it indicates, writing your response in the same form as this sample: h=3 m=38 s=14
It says h=7 m=15 s=3
